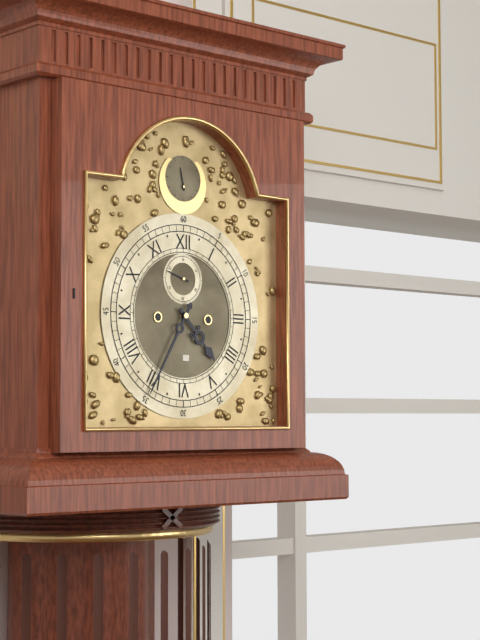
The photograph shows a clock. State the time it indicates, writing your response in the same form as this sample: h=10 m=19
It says h=4 m=35
